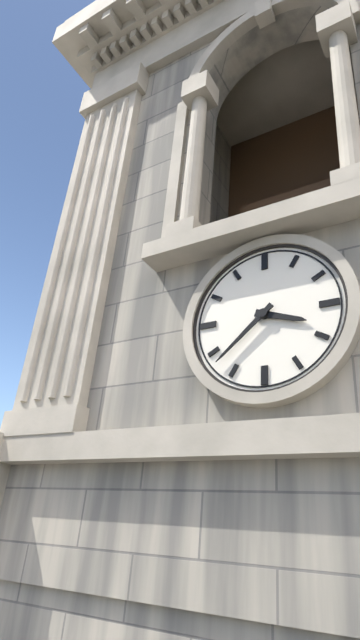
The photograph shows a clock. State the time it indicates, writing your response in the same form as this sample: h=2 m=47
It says h=3 m=38
